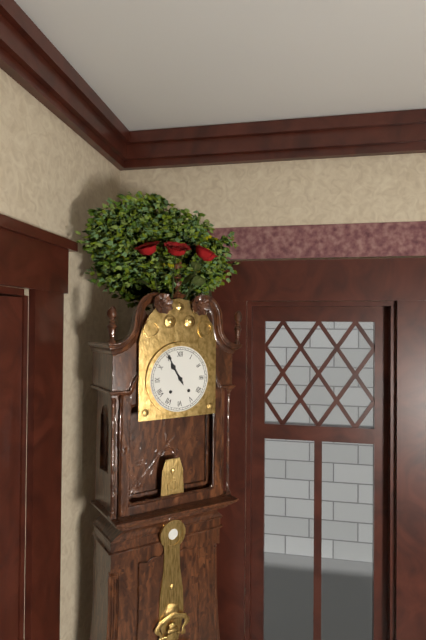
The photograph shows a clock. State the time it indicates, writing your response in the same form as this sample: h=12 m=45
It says h=10 m=55
